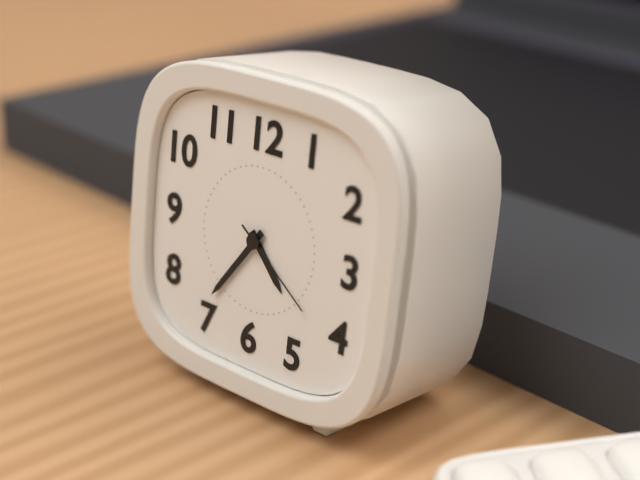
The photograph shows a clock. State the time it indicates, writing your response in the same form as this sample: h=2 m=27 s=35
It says h=4 m=36 s=21
